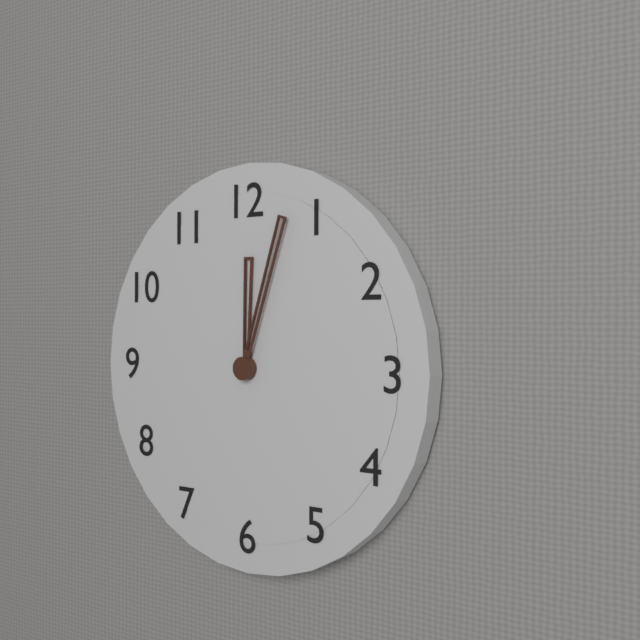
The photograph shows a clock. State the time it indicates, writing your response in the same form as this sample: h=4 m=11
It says h=12 m=3
